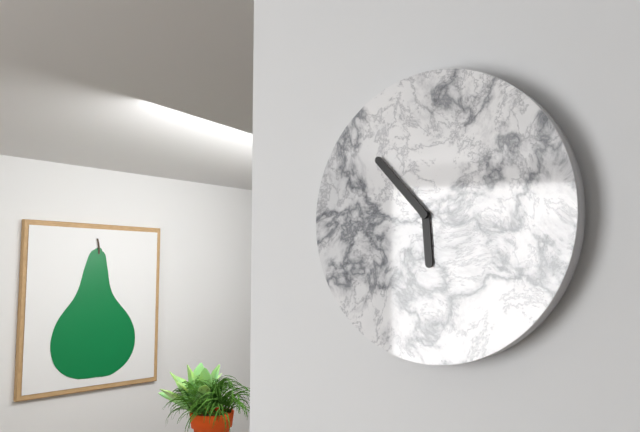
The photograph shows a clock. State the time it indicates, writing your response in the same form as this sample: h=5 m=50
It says h=5 m=53
